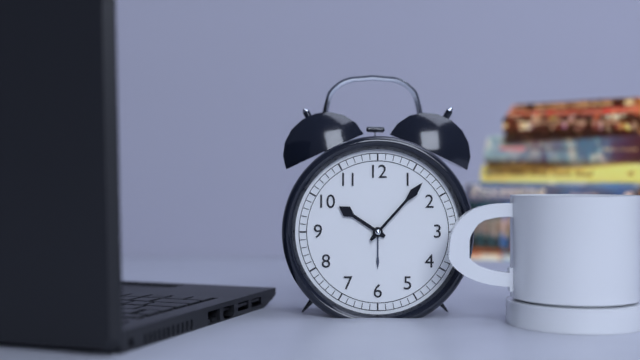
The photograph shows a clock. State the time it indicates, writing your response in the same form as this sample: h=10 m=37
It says h=10 m=7
